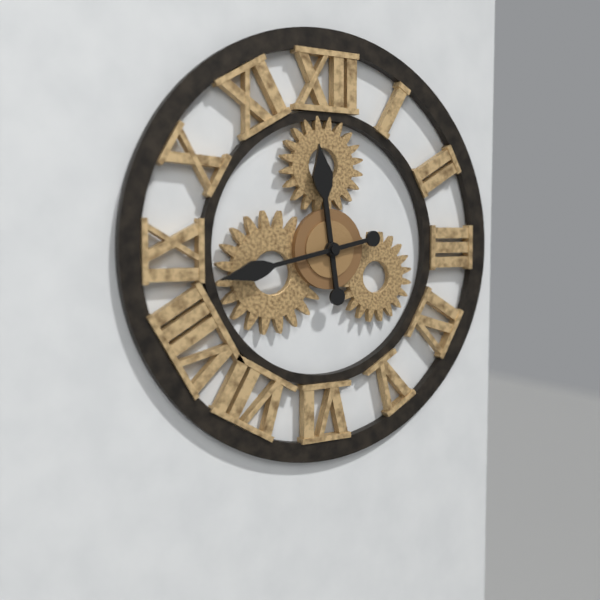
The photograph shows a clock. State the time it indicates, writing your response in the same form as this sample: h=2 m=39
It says h=11 m=43
